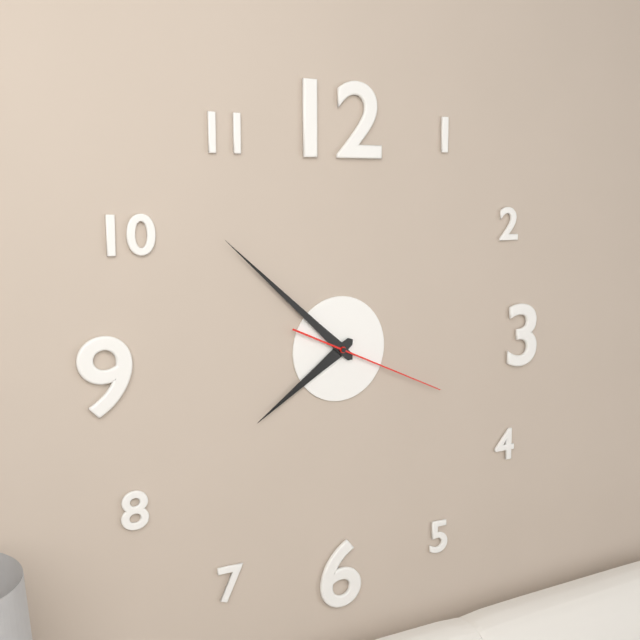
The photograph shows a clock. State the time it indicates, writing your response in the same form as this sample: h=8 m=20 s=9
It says h=7 m=52 s=19
